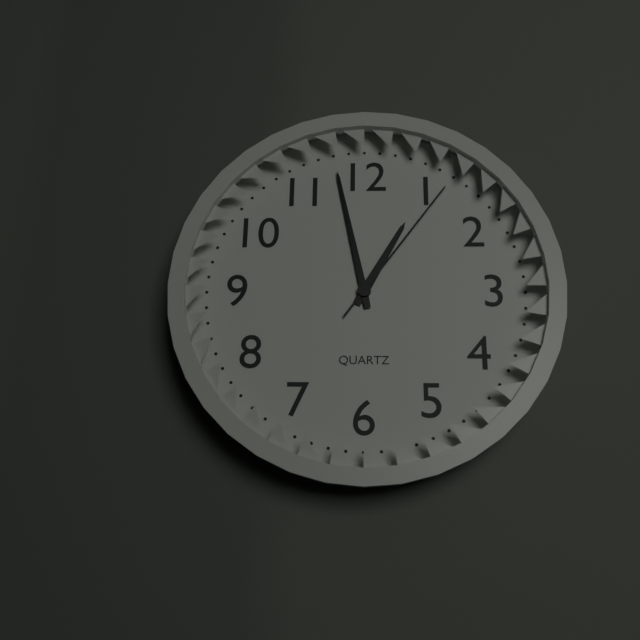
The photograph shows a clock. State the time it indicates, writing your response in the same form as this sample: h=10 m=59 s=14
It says h=12 m=58 s=6
